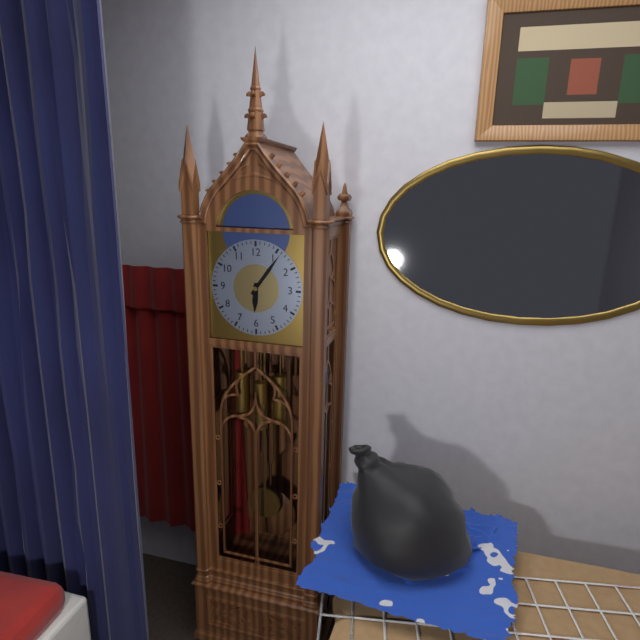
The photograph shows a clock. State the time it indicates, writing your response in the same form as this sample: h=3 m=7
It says h=6 m=6
